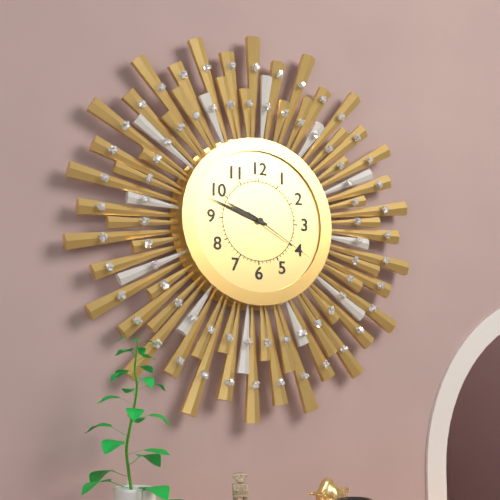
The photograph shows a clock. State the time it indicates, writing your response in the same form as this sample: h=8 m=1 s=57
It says h=9 m=48 s=20
